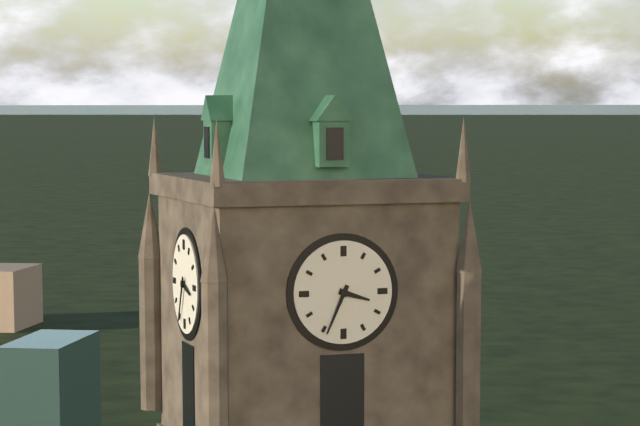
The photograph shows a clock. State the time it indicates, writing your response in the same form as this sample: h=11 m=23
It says h=3 m=34
